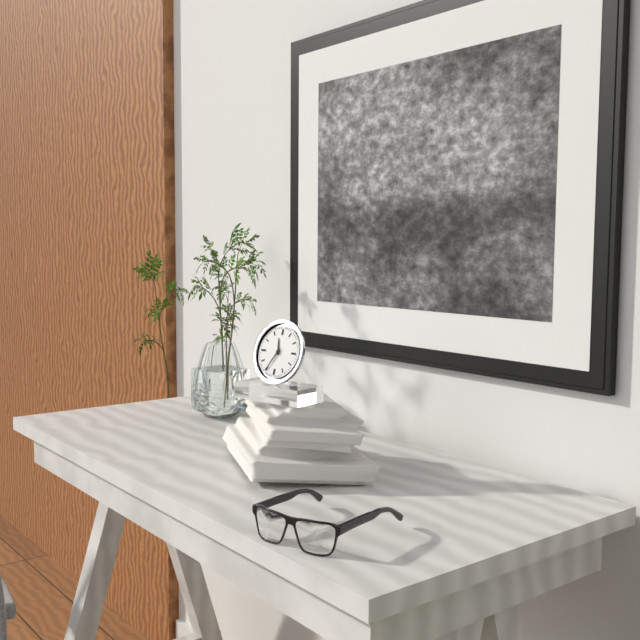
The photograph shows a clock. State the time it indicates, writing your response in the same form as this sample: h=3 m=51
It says h=11 m=35
